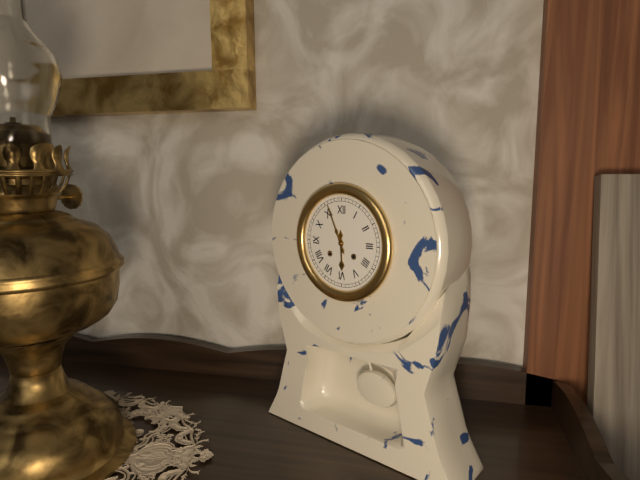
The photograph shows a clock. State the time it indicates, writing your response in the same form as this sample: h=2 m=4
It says h=5 m=56
